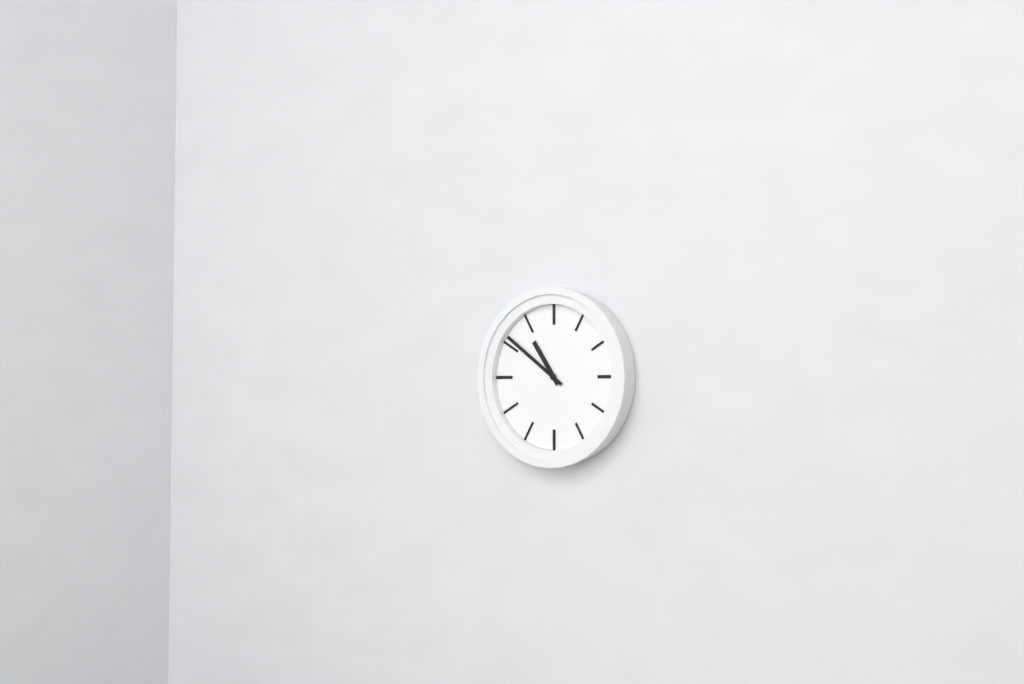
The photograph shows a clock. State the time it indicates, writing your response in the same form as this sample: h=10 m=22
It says h=10 m=51
